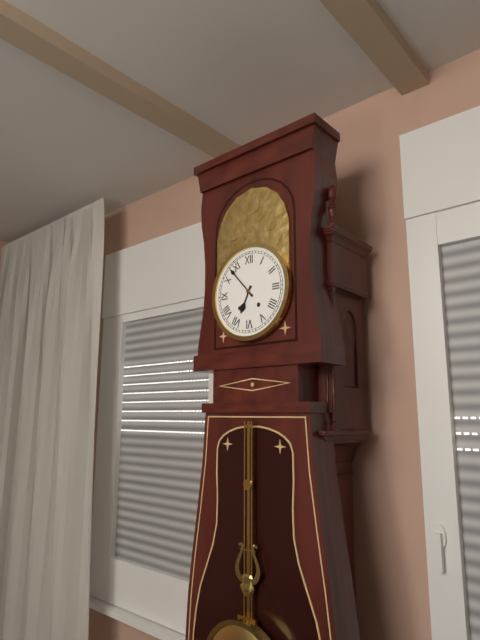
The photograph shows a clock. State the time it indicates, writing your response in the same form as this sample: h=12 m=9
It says h=6 m=53
